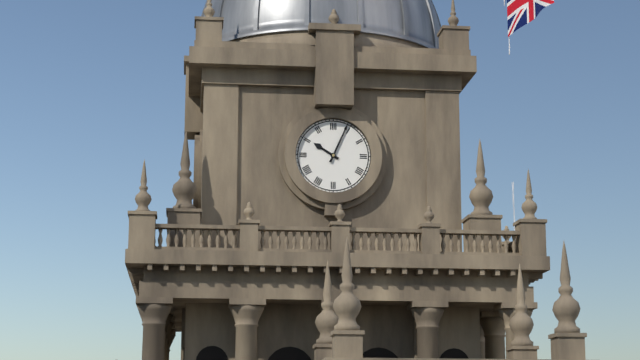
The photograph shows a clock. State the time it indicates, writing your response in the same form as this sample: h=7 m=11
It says h=10 m=4
